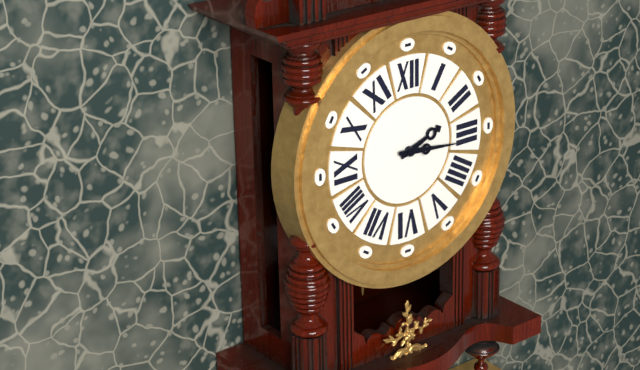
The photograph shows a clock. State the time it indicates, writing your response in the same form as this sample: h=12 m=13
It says h=2 m=16
